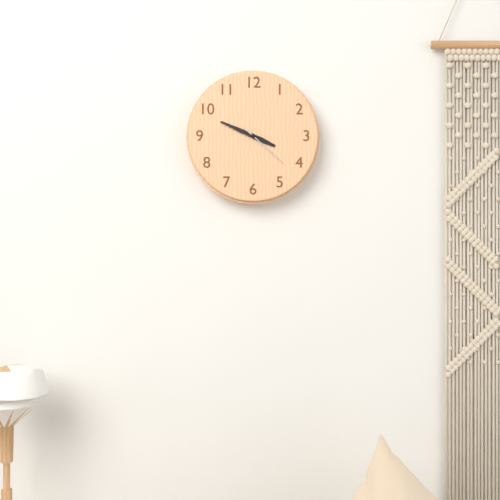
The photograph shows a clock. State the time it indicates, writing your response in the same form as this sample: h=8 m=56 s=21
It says h=3 m=49 s=22
